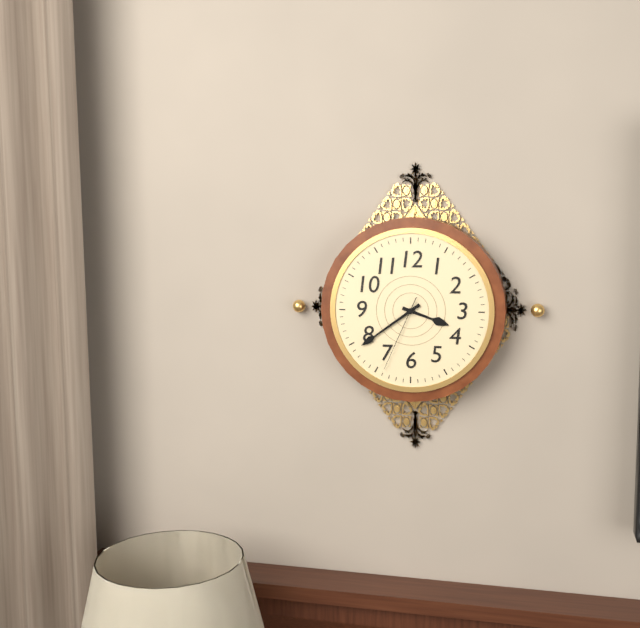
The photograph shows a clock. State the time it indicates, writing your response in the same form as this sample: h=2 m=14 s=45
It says h=3 m=39 s=34
